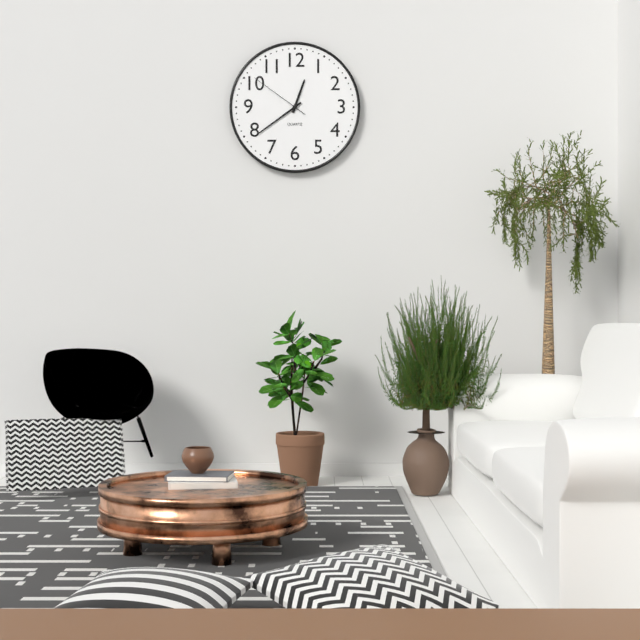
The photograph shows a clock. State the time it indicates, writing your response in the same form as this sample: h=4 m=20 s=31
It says h=12 m=39 s=51
